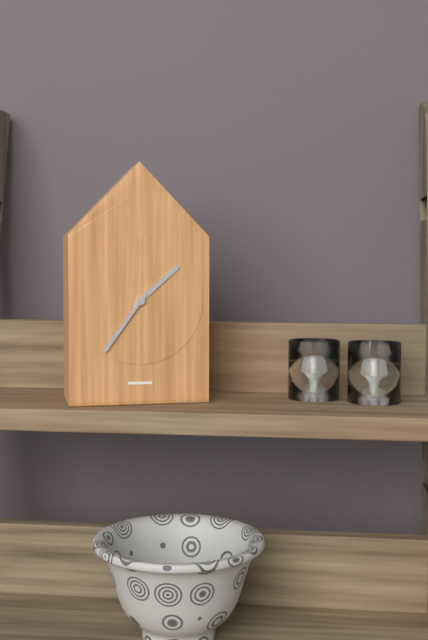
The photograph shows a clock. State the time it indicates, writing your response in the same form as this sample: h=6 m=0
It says h=1 m=36
